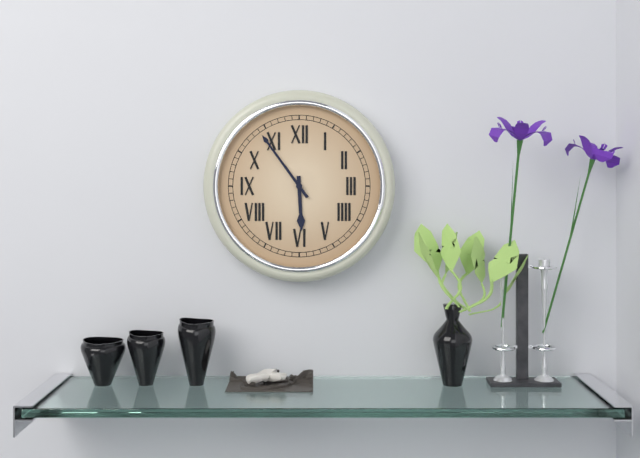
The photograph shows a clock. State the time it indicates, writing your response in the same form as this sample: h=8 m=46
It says h=5 m=54
